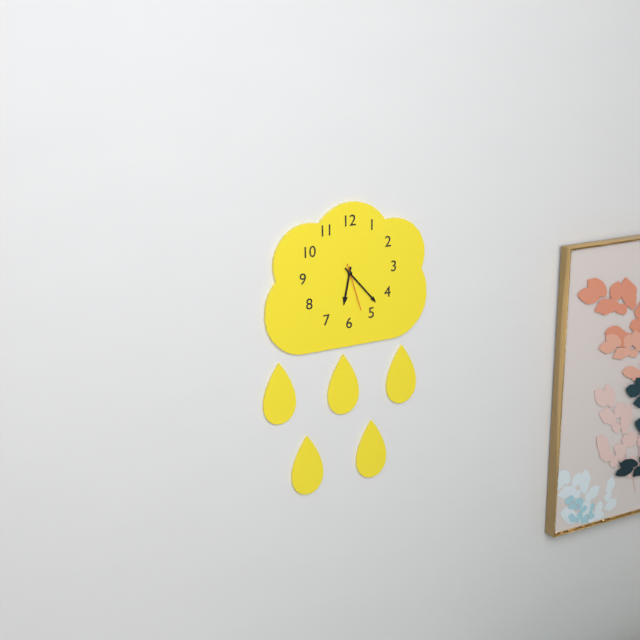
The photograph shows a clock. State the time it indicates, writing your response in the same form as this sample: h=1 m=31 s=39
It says h=6 m=23 s=27
